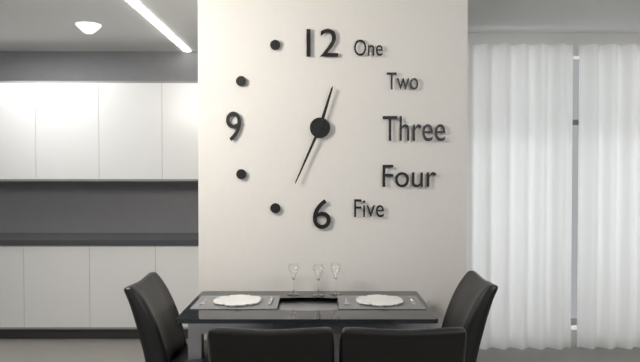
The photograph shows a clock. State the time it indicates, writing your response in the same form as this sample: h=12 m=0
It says h=12 m=34
